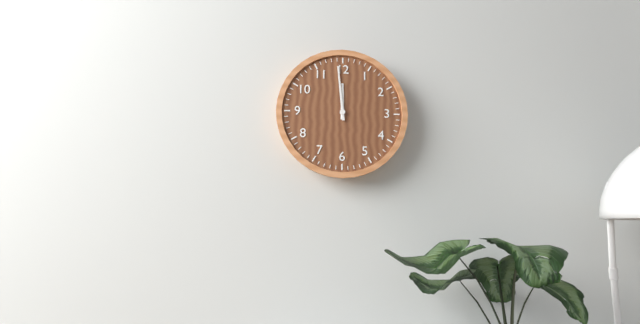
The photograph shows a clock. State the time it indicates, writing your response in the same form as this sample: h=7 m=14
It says h=11 m=59
